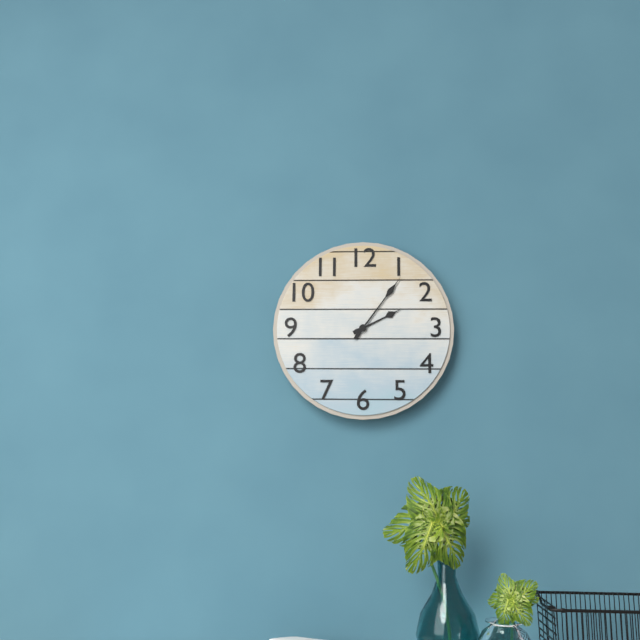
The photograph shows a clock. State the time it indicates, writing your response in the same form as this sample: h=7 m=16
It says h=2 m=6
